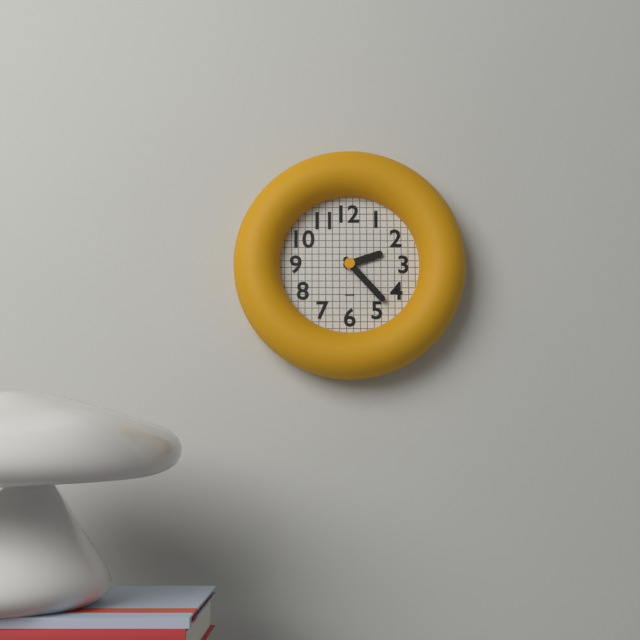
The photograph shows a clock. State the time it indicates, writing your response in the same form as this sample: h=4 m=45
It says h=2 m=23
